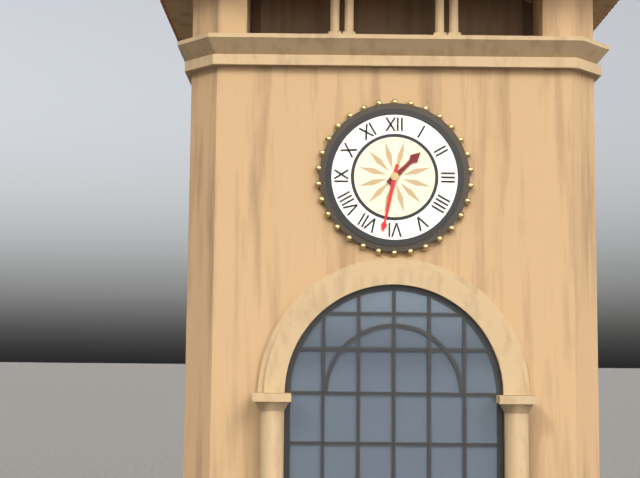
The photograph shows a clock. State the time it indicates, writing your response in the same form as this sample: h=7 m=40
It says h=1 m=32
